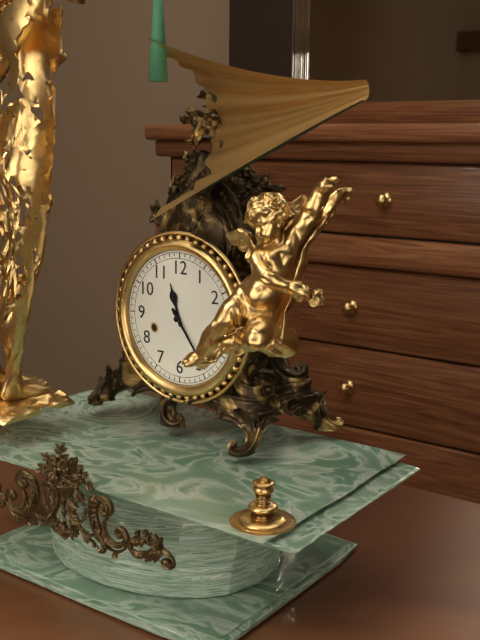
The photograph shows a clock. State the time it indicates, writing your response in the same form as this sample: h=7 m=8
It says h=11 m=24
